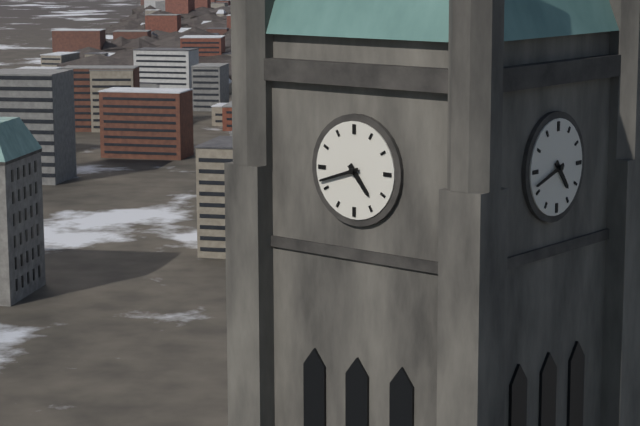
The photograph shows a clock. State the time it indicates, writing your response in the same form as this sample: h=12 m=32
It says h=4 m=42
